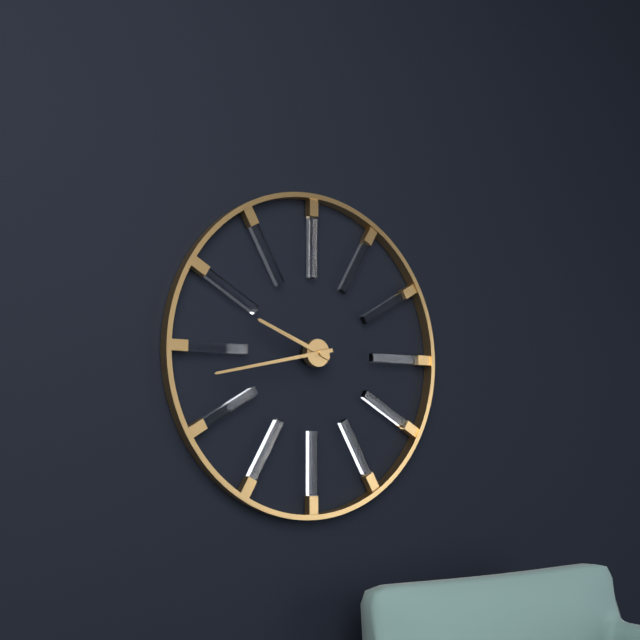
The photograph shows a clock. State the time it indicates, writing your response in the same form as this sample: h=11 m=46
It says h=9 m=43
